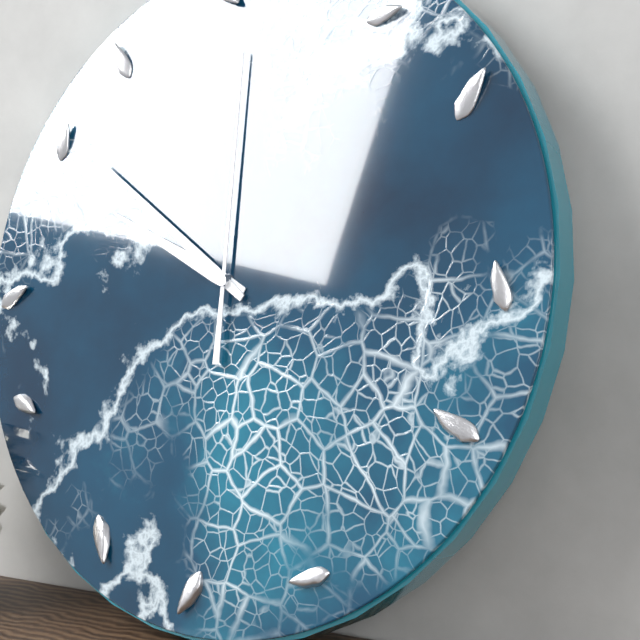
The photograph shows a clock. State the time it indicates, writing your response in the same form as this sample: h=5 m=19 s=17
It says h=9 m=51 s=0
